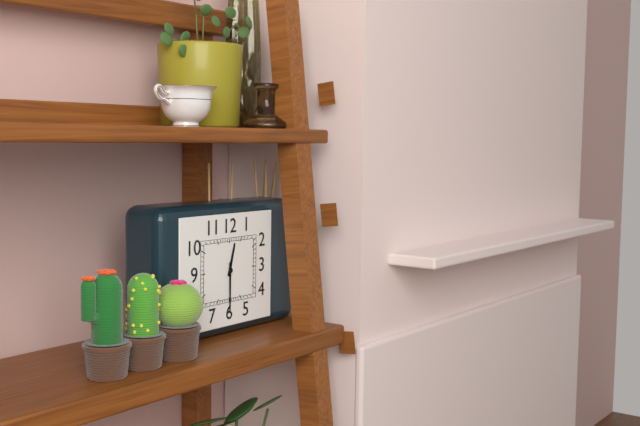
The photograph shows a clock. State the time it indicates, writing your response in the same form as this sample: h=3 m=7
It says h=12 m=30
